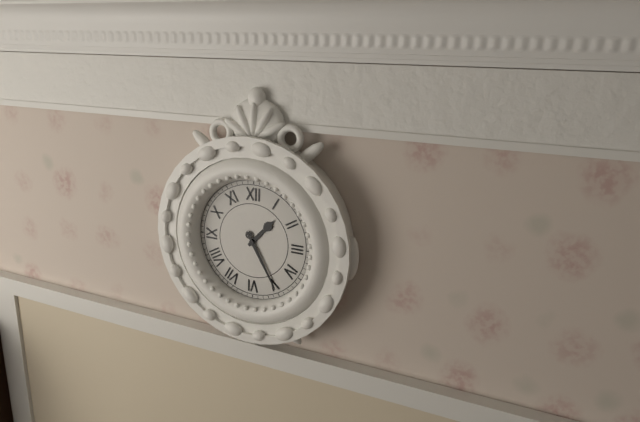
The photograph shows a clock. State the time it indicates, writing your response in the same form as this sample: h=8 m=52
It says h=1 m=25
